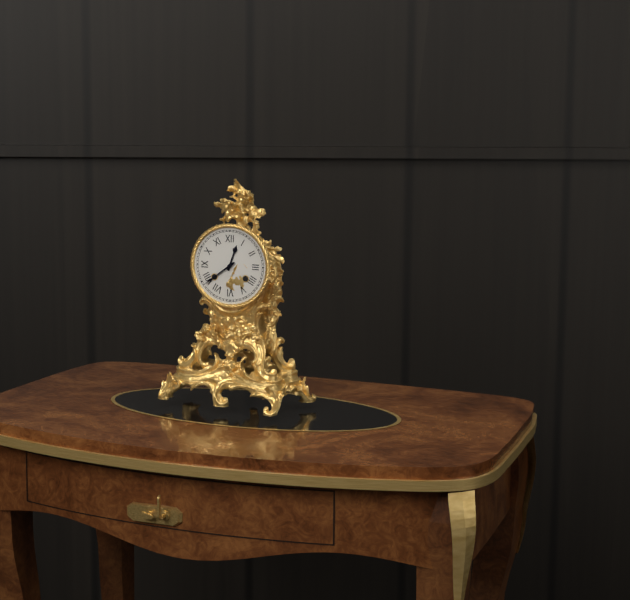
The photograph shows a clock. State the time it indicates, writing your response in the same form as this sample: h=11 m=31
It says h=12 m=39
